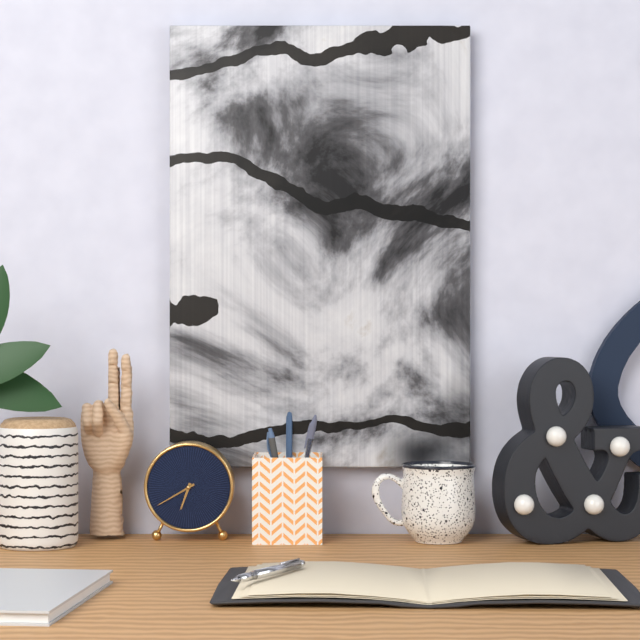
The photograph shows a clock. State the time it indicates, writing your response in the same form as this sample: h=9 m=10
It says h=6 m=40
